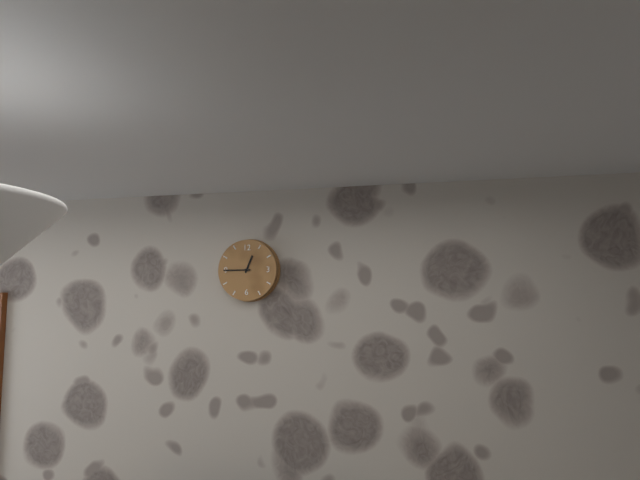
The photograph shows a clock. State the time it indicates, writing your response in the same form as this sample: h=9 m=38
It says h=12 m=45
